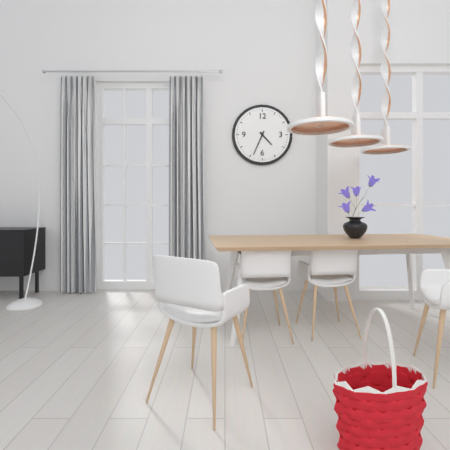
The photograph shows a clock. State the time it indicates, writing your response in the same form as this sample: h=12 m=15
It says h=4 m=34
